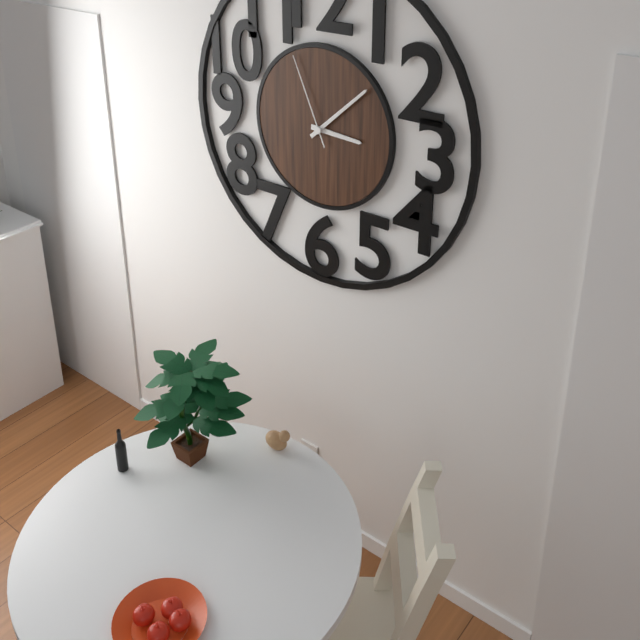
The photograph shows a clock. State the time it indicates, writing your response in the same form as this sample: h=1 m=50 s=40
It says h=3 m=8 s=56
